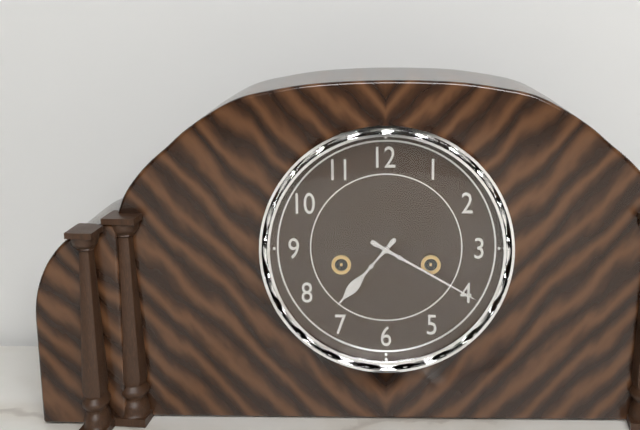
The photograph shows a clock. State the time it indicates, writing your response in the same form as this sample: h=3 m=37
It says h=7 m=20
